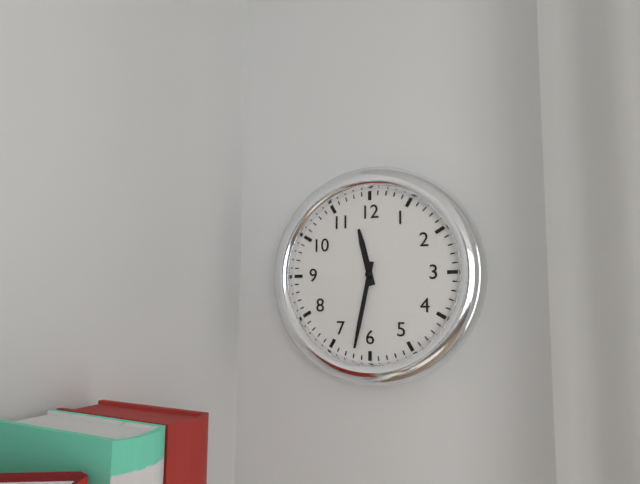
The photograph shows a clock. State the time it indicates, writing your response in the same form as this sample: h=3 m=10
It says h=11 m=32
